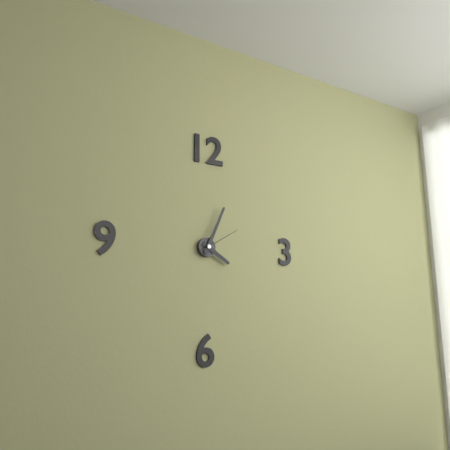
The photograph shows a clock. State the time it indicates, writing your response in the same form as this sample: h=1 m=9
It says h=4 m=4
